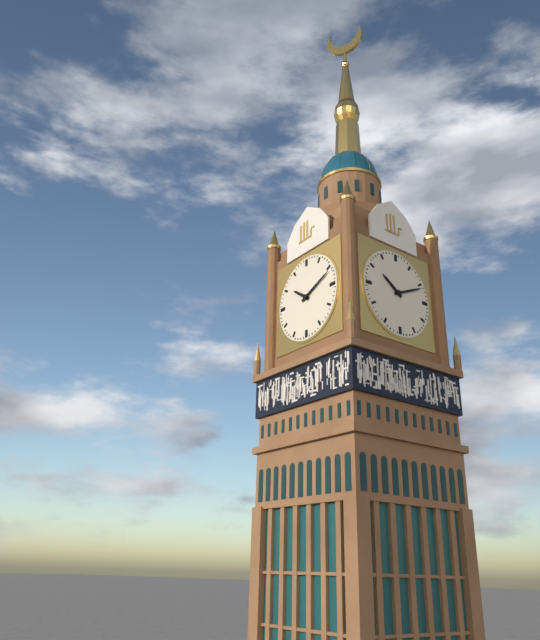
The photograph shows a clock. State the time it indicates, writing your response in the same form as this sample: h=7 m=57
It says h=10 m=11
